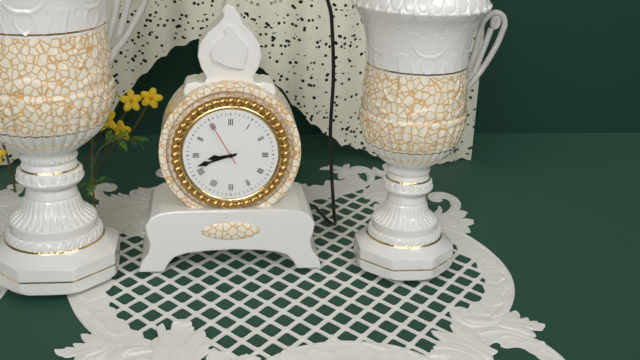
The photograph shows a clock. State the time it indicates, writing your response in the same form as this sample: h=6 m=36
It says h=8 m=42
